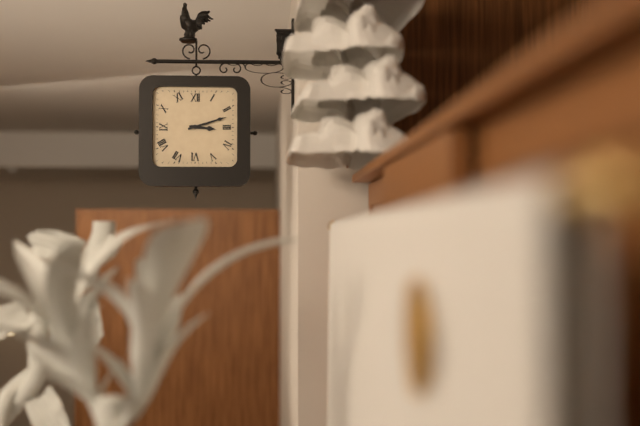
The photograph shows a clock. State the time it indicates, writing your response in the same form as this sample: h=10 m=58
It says h=3 m=12
